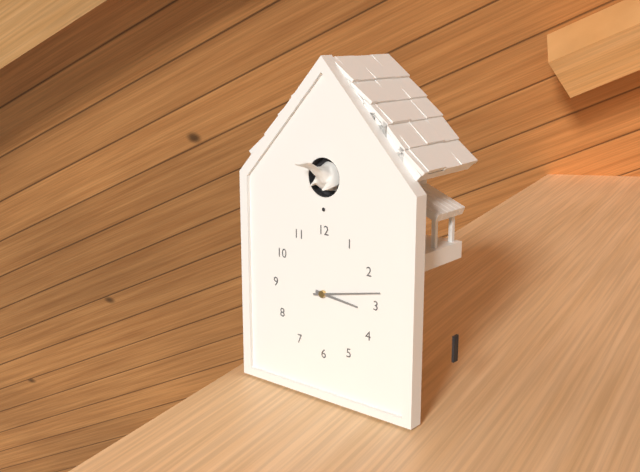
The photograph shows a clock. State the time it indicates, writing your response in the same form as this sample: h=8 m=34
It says h=3 m=13
